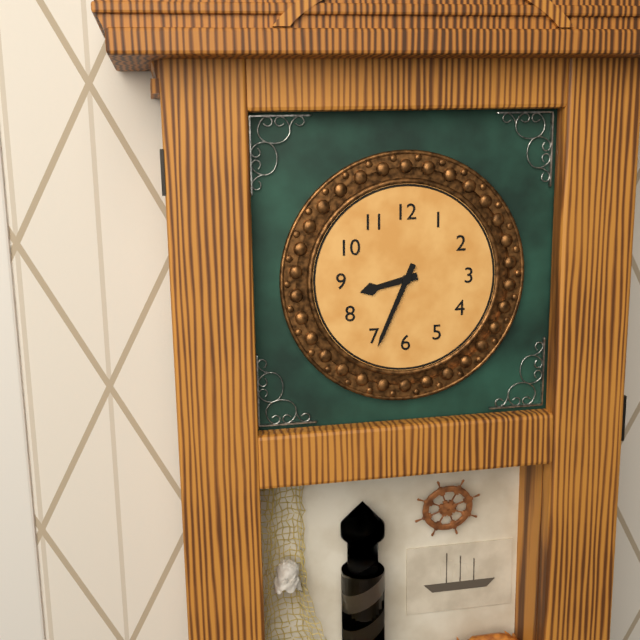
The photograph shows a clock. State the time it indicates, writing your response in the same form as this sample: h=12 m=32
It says h=8 m=34
